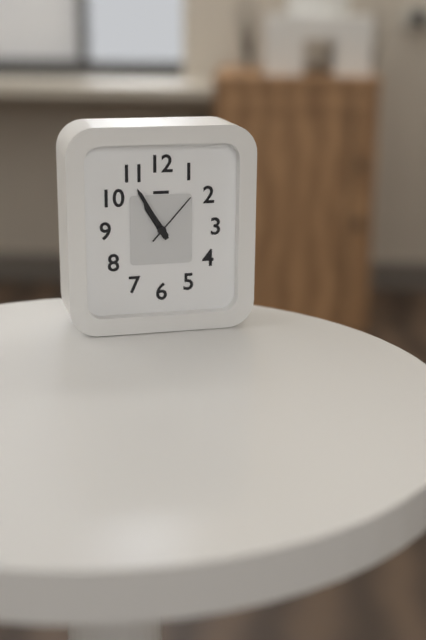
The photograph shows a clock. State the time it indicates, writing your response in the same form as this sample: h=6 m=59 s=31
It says h=10 m=55 s=7
